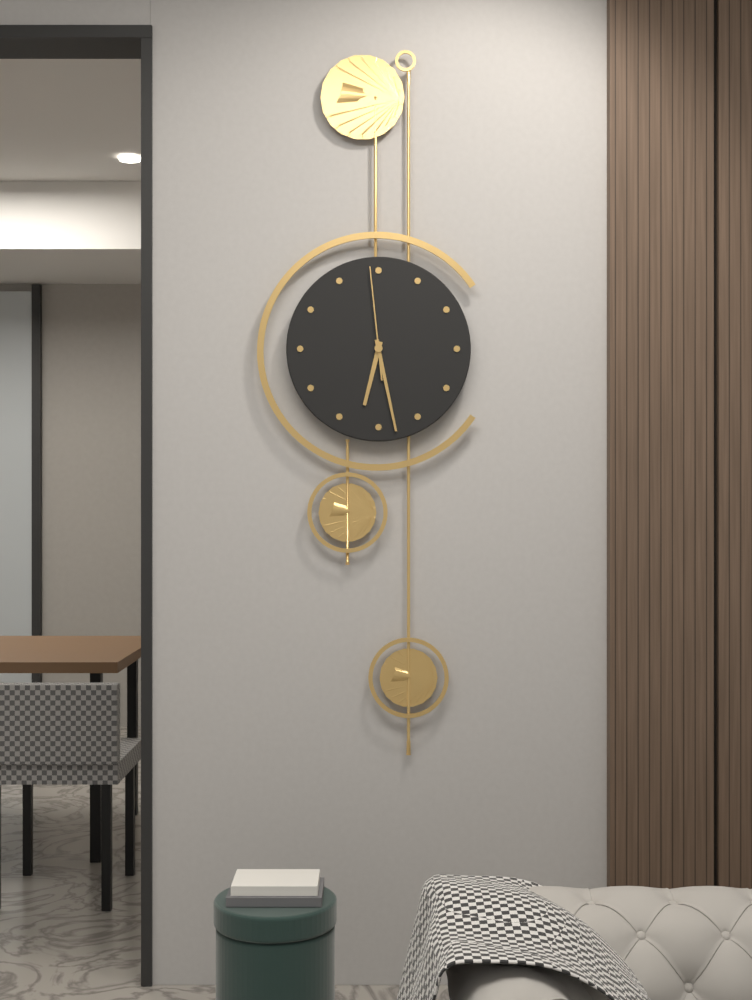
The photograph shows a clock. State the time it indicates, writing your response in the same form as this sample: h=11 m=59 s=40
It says h=6 m=28 s=59
